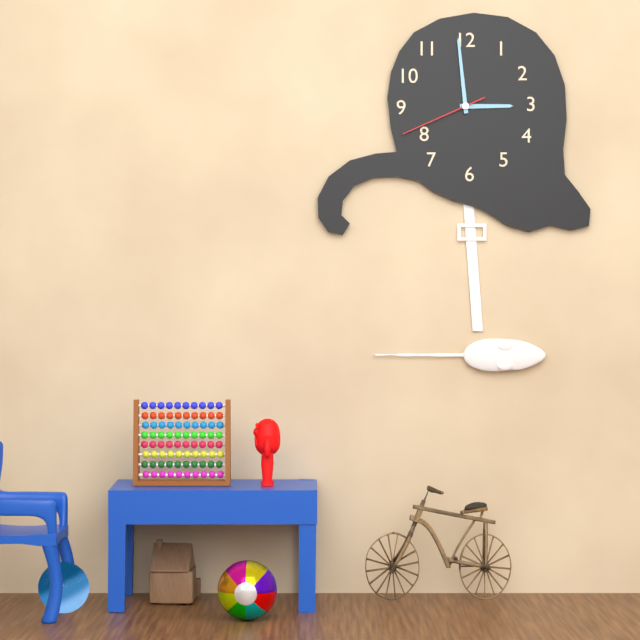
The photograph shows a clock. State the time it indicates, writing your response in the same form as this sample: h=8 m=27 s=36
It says h=2 m=59 s=41
